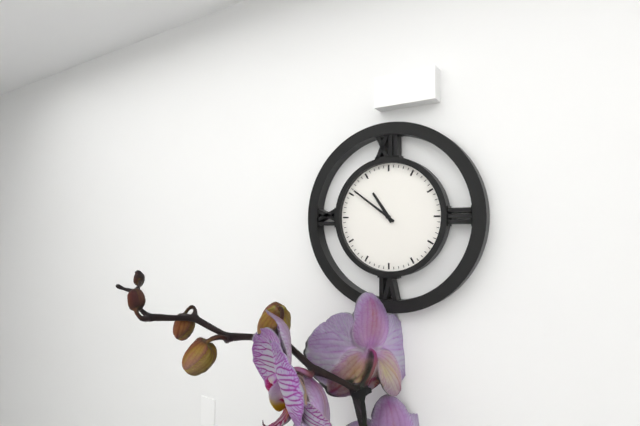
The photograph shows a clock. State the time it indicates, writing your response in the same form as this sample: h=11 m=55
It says h=10 m=51
